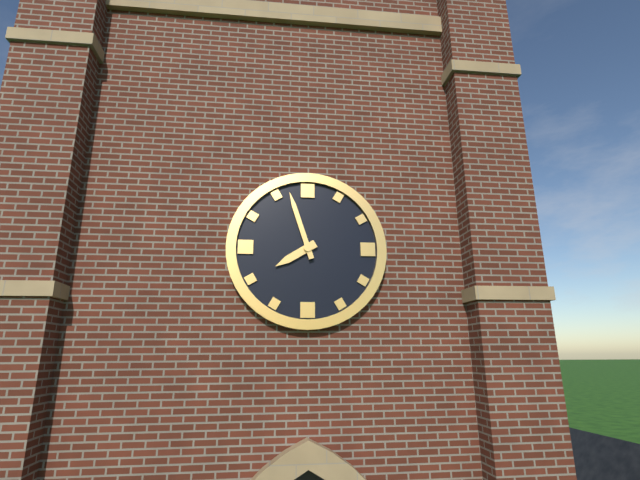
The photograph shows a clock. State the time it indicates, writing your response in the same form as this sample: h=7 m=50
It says h=7 m=57
